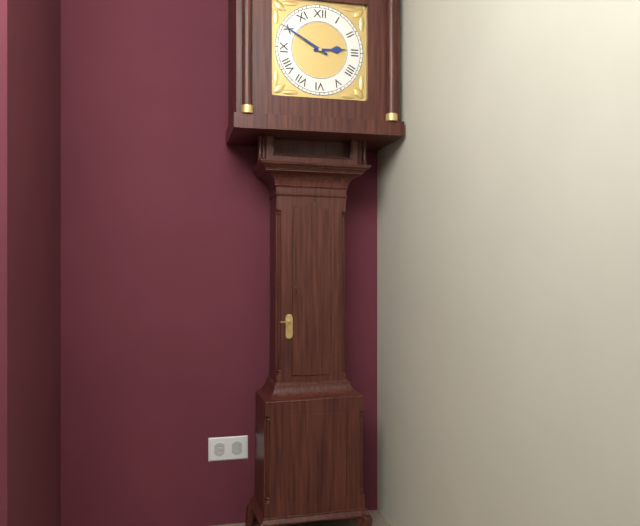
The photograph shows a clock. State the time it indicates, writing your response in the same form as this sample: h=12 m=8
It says h=2 m=50
